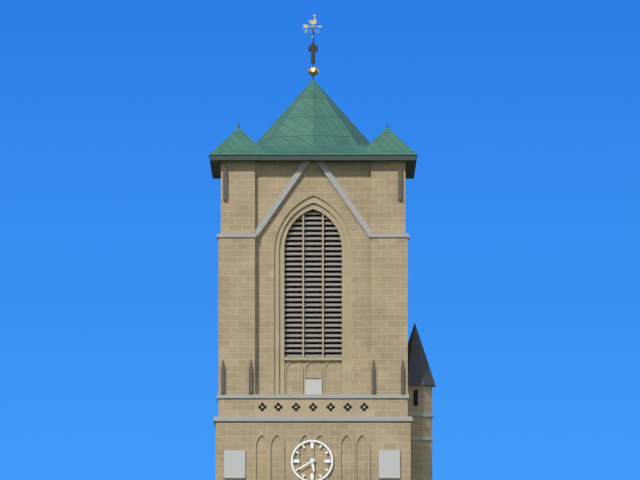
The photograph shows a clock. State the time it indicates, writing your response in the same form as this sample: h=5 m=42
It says h=5 m=40
